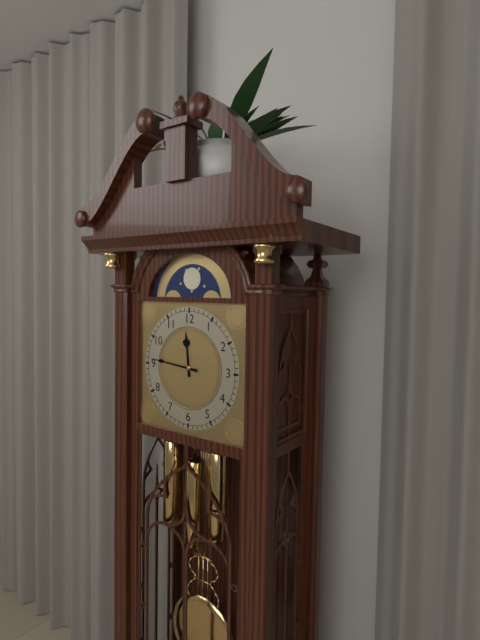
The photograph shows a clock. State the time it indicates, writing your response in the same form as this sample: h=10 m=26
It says h=11 m=46
